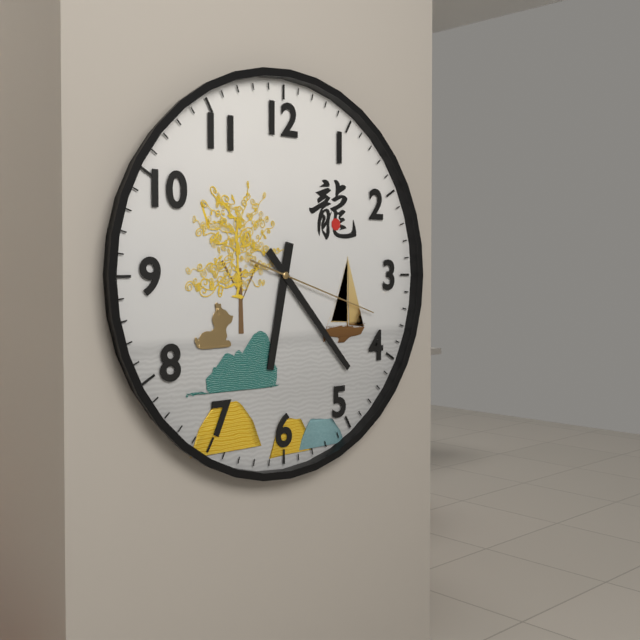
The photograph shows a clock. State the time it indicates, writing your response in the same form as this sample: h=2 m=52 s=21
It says h=6 m=23 s=18
